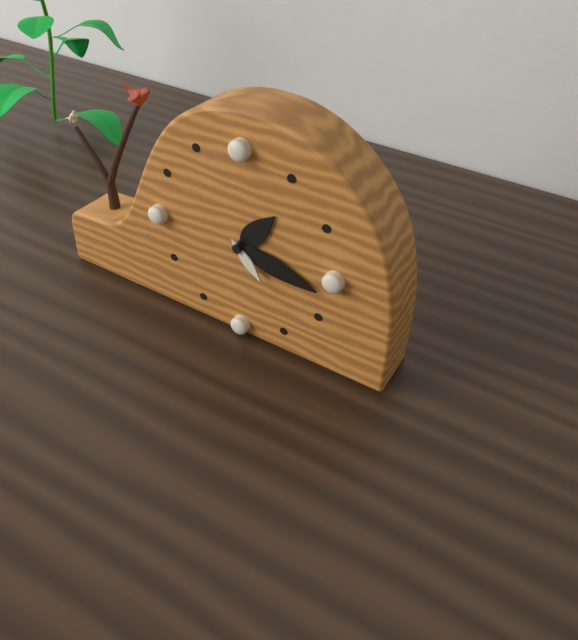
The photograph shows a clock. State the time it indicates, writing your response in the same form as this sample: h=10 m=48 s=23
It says h=1 m=17 s=23
